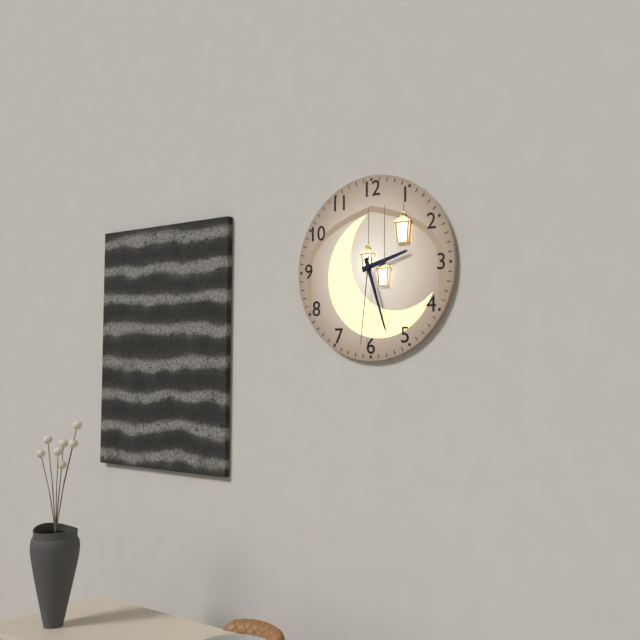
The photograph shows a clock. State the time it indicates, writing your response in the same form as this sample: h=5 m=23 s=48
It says h=2 m=27 s=31
